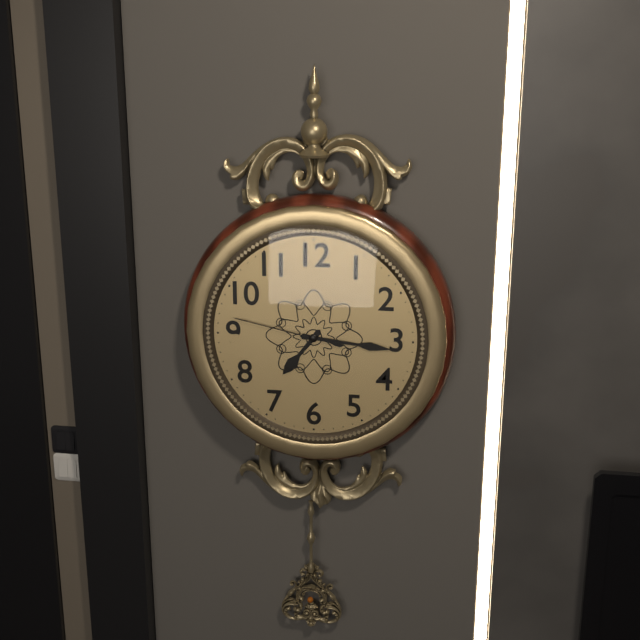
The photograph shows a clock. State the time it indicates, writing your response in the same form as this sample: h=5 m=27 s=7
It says h=7 m=16 s=47
